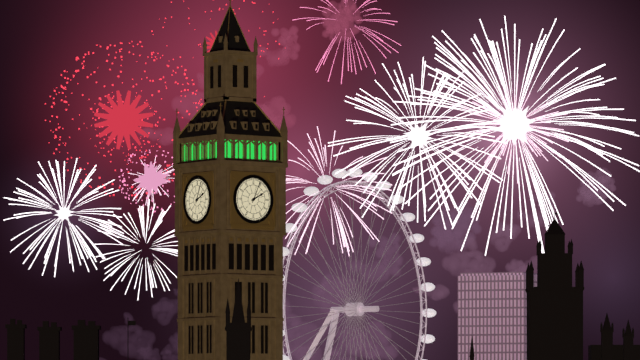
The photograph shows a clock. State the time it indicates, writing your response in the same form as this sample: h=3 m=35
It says h=2 m=4
